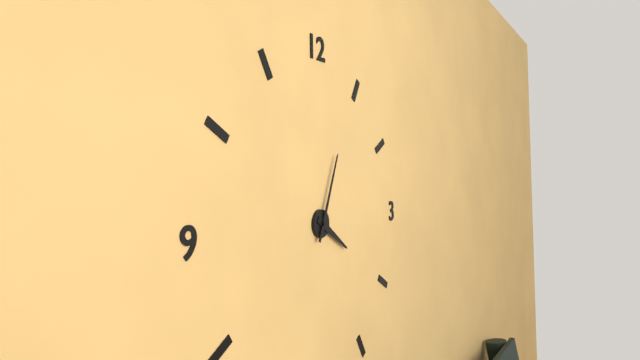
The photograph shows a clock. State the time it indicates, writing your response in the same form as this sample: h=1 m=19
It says h=4 m=4
